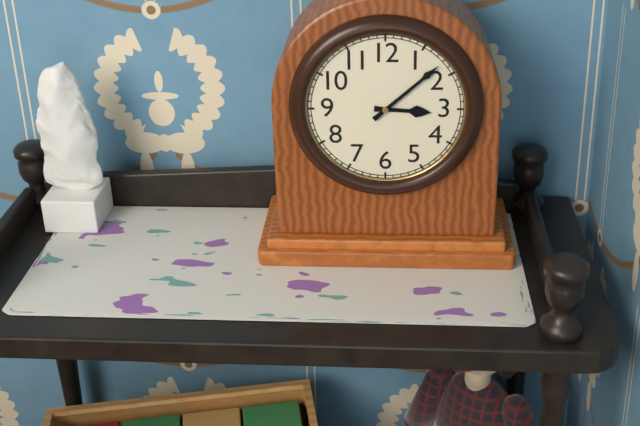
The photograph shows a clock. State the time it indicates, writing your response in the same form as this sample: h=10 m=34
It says h=3 m=8
